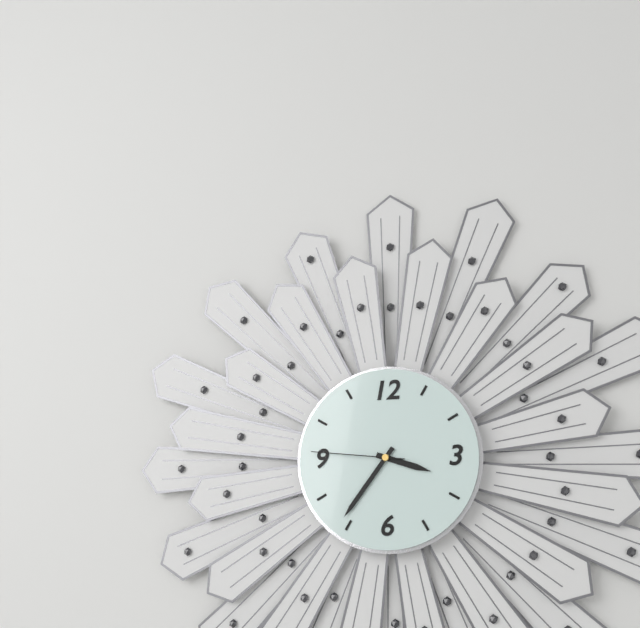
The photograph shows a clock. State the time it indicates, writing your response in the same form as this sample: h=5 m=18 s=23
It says h=3 m=36 s=46
